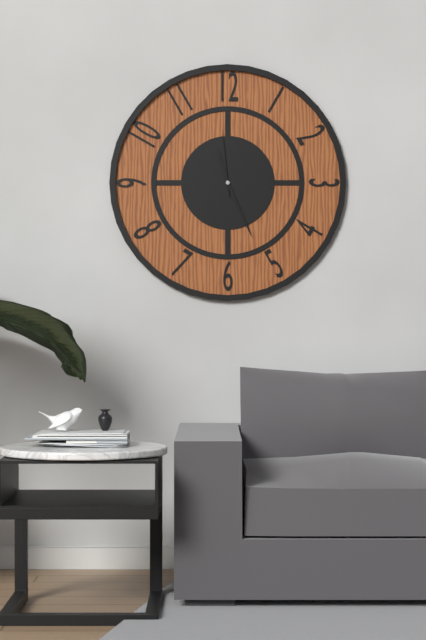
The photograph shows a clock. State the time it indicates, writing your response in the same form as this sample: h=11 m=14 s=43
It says h=11 m=26 s=59
